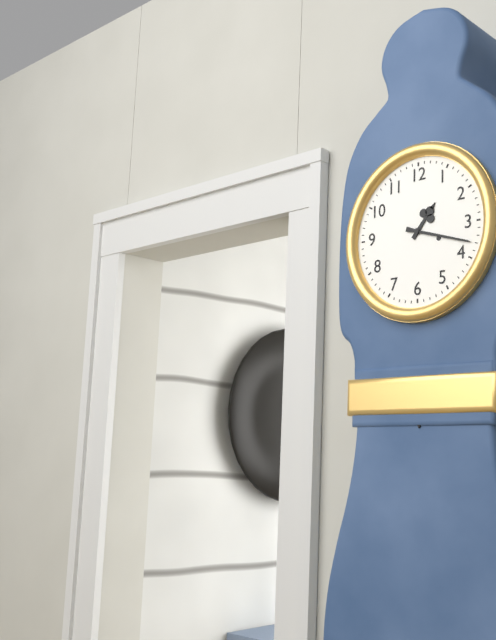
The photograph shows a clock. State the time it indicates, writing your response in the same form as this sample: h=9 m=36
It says h=1 m=18
